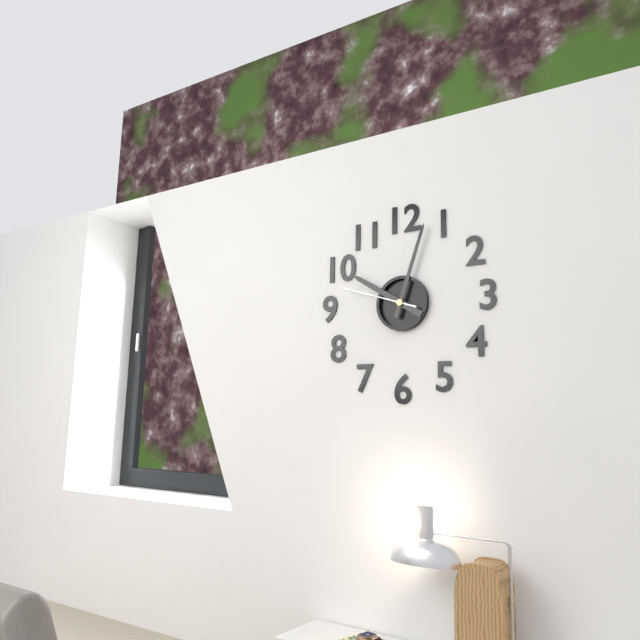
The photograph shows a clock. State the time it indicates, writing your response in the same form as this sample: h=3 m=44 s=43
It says h=10 m=3 s=48
